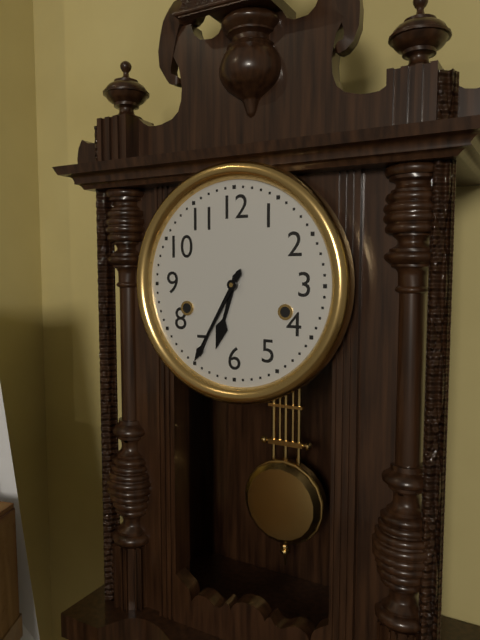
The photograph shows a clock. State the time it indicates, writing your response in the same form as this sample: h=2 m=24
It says h=6 m=35
